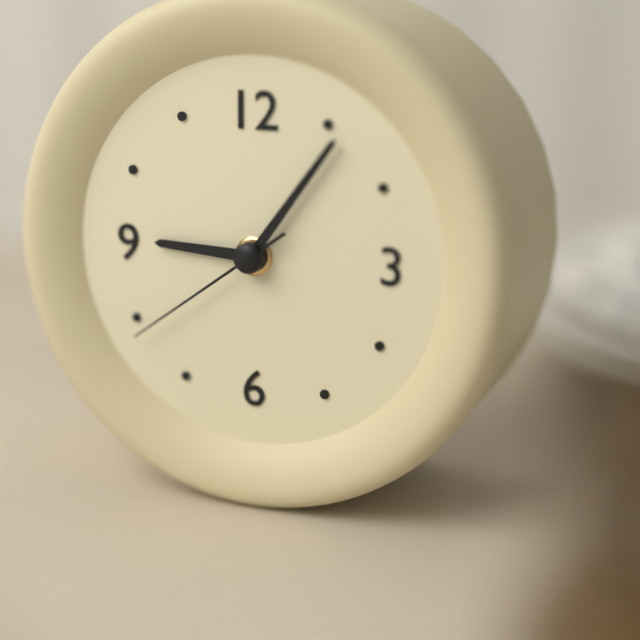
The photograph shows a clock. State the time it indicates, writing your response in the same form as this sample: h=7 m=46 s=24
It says h=9 m=6 s=39
